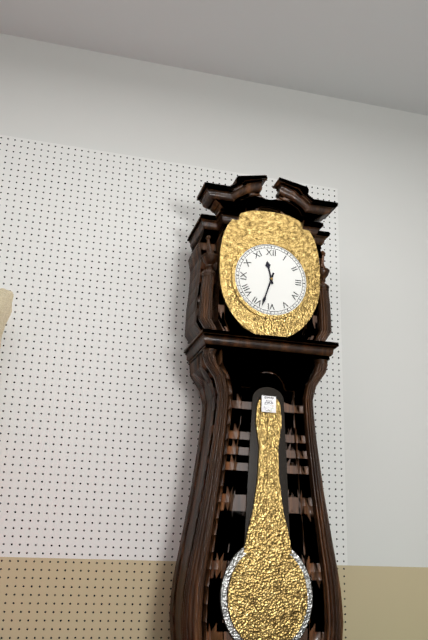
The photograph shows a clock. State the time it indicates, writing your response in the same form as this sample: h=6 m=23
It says h=11 m=33
